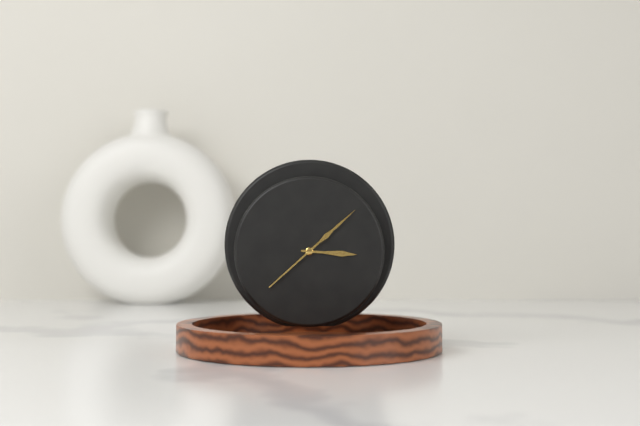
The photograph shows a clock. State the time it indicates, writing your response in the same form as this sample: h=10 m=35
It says h=3 m=8
